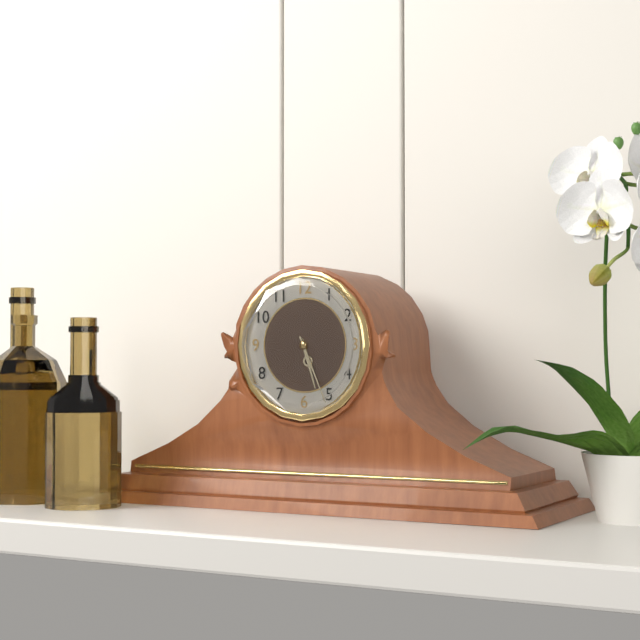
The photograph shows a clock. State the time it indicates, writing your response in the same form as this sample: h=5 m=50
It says h=5 m=26
